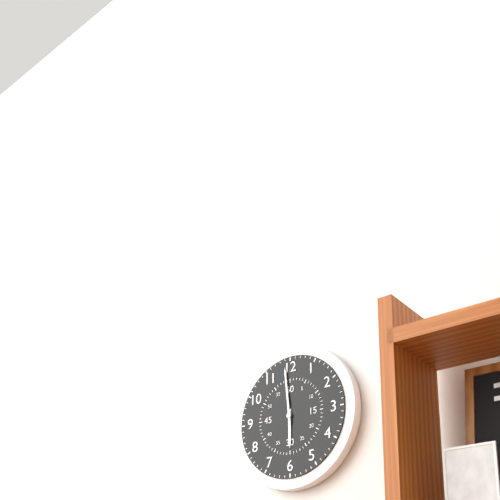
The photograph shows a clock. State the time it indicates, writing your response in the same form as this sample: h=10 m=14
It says h=5 m=59
